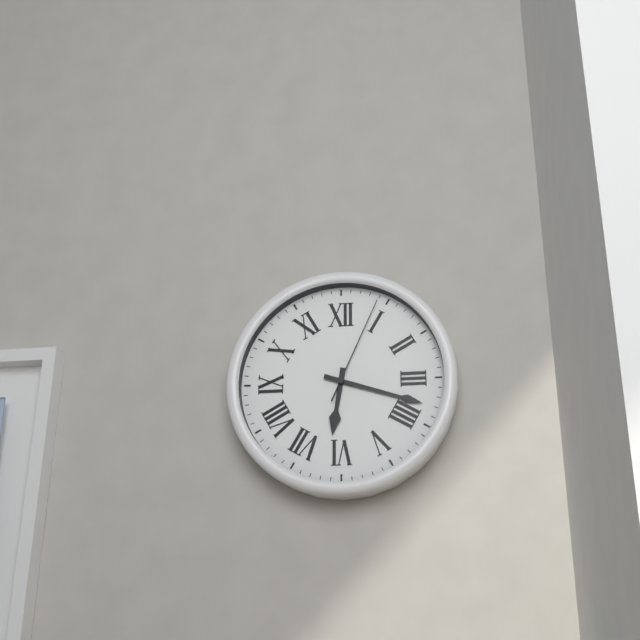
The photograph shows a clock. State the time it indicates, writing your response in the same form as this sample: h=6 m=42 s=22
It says h=6 m=18 s=4
